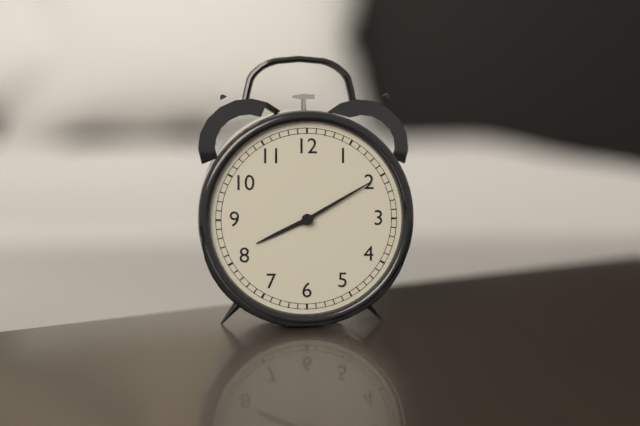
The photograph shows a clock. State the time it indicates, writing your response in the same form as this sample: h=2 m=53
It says h=8 m=10
